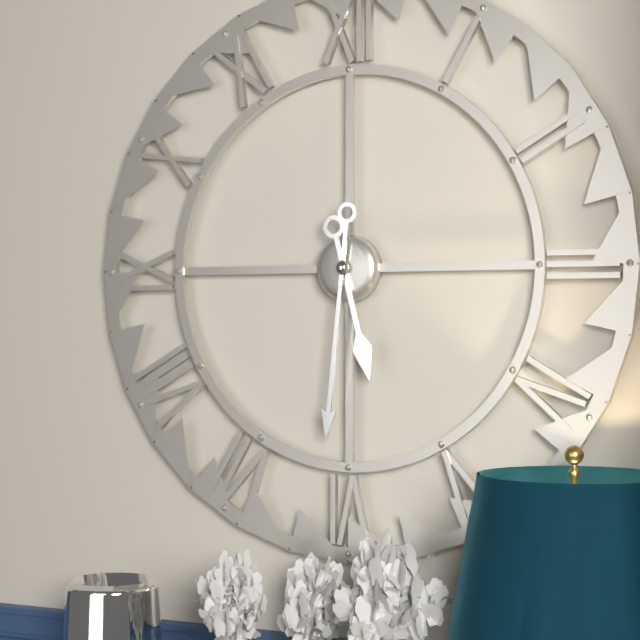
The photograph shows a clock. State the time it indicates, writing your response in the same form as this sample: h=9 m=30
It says h=5 m=31
